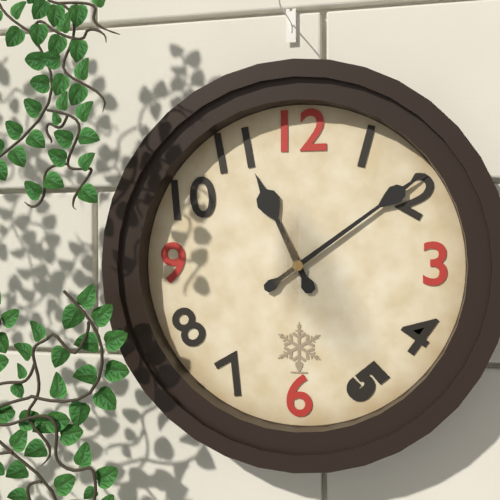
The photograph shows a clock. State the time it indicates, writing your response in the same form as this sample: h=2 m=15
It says h=11 m=9
